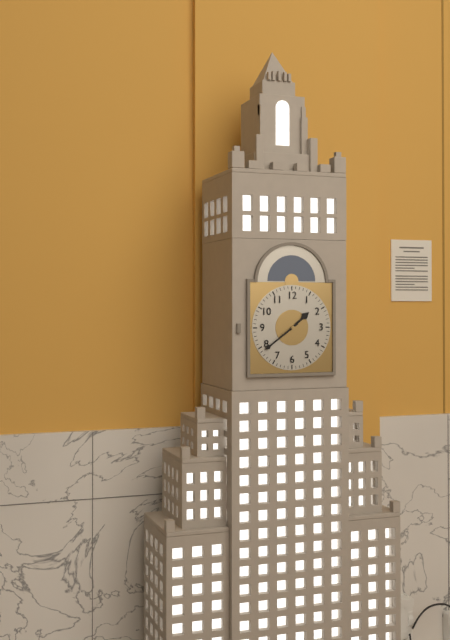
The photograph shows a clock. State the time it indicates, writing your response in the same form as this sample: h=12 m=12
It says h=1 m=39
